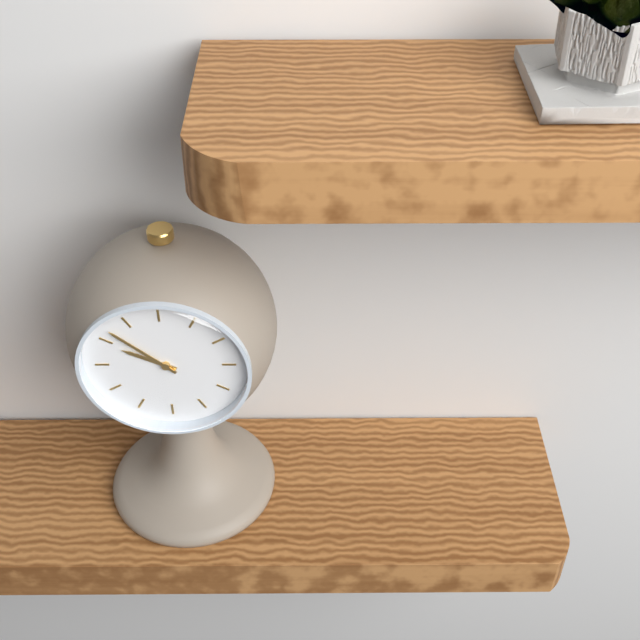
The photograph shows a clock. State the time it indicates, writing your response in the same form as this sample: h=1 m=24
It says h=9 m=52
